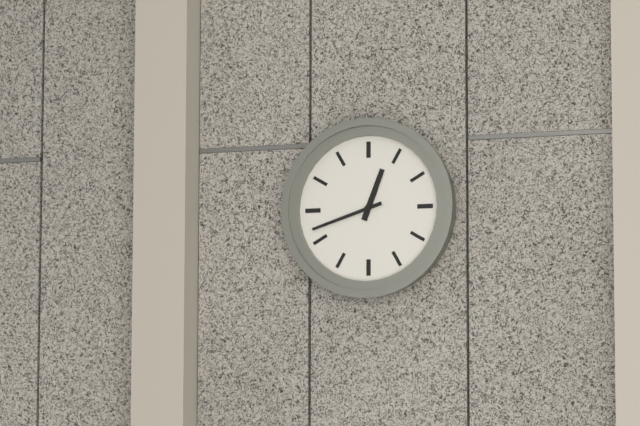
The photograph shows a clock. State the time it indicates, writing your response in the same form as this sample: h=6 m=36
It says h=12 m=42
